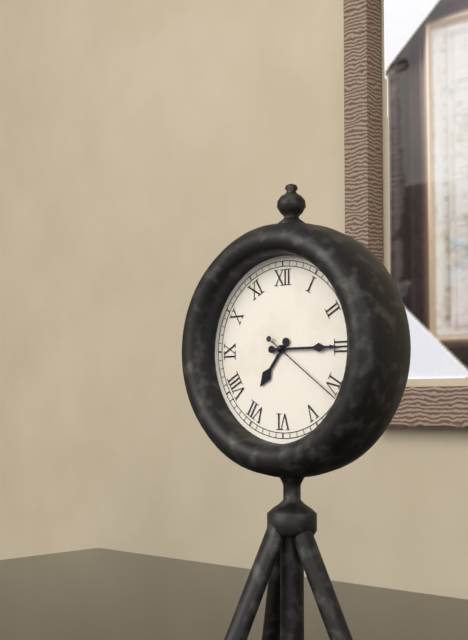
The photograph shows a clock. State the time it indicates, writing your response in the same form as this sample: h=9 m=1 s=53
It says h=7 m=15 s=21
